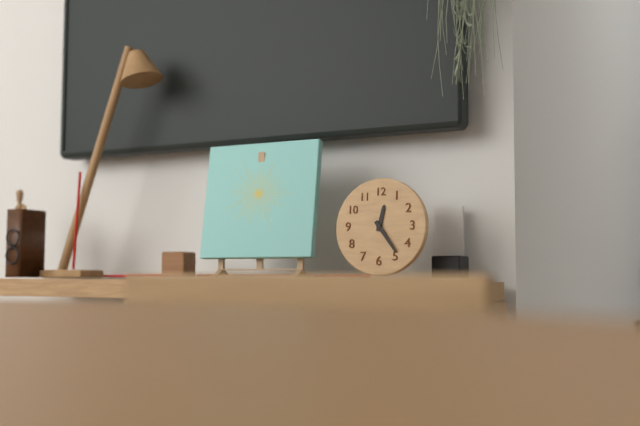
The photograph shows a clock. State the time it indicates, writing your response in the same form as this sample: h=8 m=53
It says h=12 m=24
